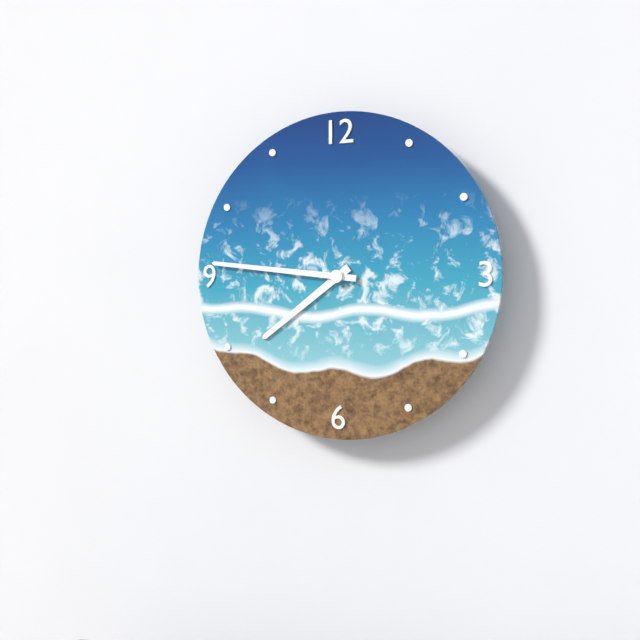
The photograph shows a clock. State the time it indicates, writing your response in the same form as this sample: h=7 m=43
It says h=7 m=46
